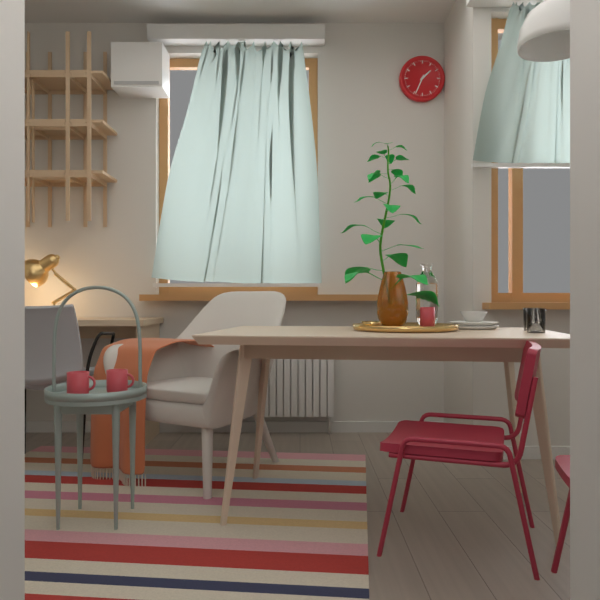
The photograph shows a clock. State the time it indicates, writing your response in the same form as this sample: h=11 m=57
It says h=1 m=34
